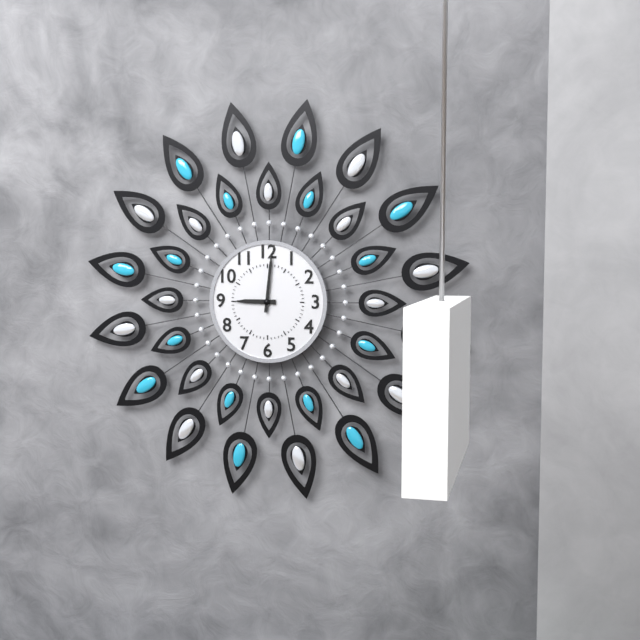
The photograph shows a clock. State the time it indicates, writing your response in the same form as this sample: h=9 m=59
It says h=9 m=1
